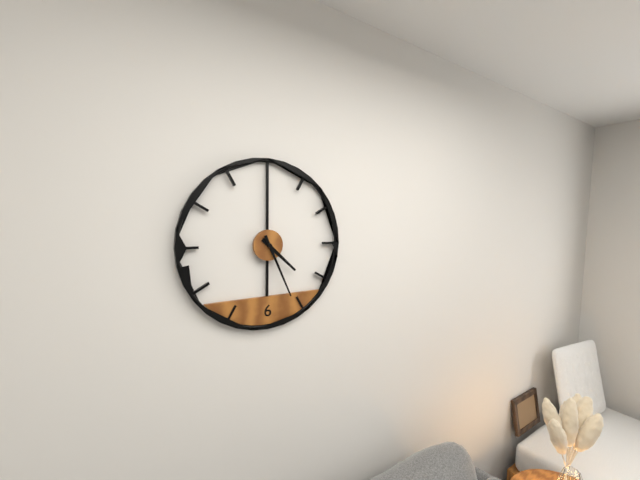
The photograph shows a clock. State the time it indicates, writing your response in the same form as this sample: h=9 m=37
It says h=4 m=26
